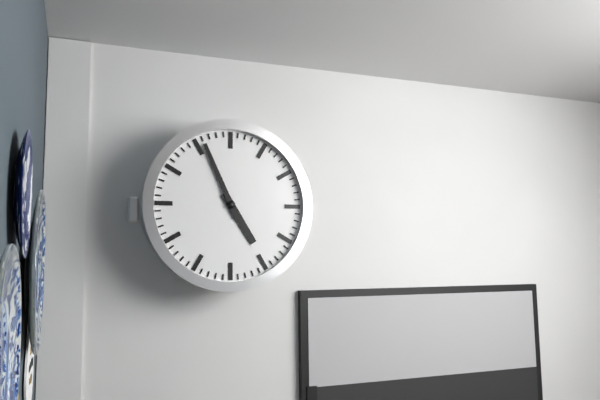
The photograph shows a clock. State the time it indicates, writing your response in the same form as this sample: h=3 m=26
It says h=4 m=56
